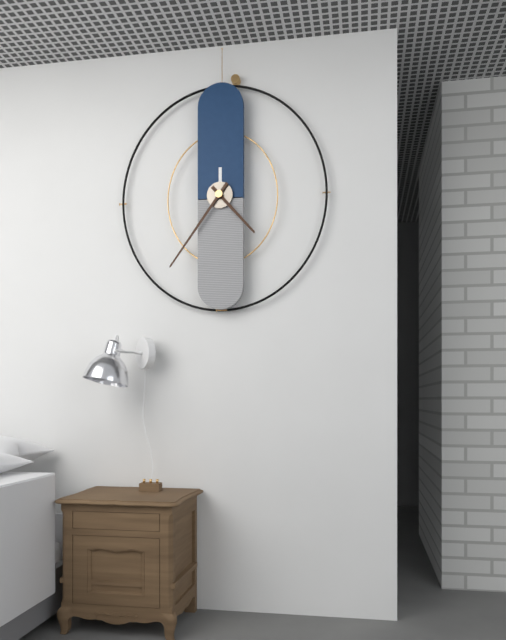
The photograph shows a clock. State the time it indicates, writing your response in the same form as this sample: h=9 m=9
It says h=4 m=36
